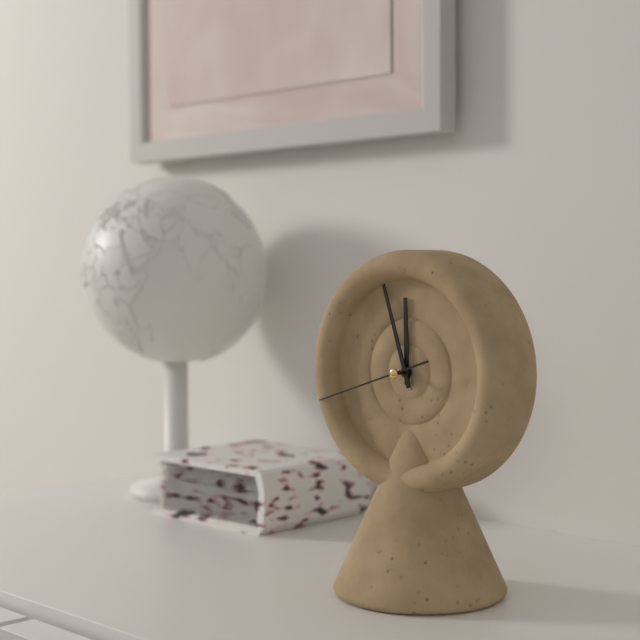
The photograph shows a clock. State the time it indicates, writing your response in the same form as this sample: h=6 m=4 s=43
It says h=11 m=57 s=42
